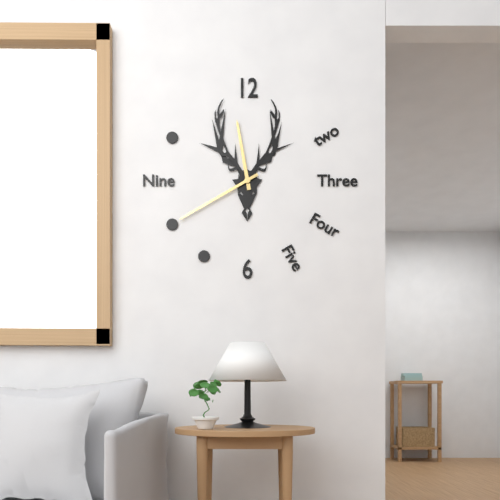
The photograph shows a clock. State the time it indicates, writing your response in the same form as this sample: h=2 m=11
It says h=11 m=40
